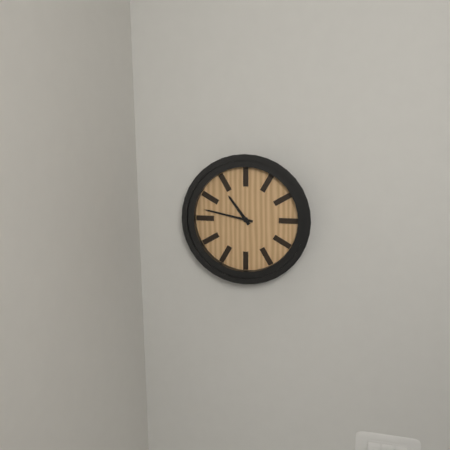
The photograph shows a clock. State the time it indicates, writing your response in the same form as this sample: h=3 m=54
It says h=10 m=47
